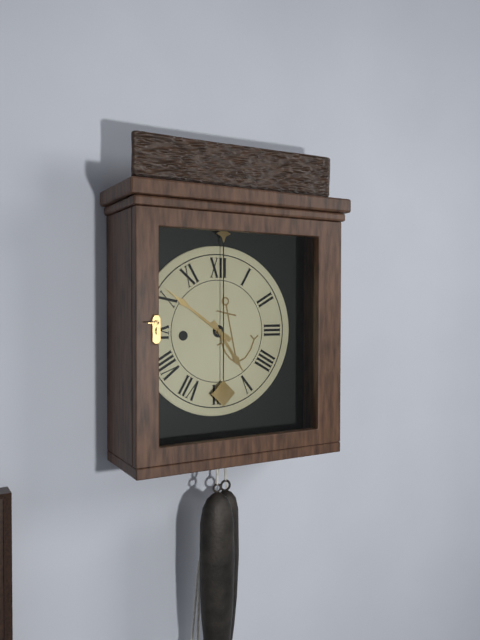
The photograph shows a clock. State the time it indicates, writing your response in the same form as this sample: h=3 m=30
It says h=4 m=51
